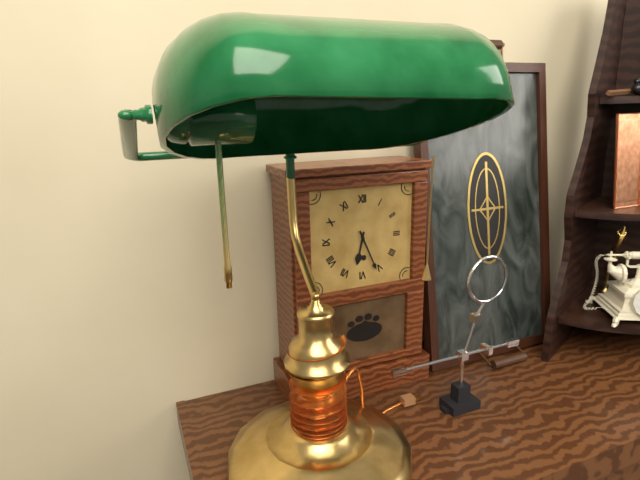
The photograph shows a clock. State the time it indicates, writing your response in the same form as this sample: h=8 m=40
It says h=6 m=26
